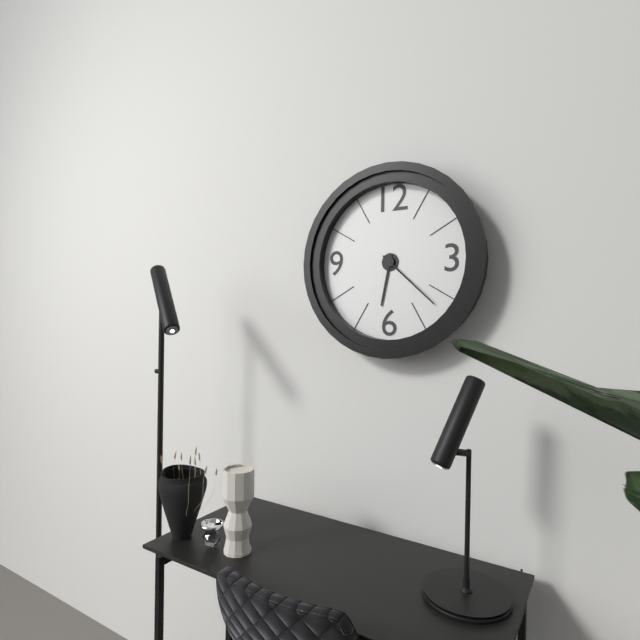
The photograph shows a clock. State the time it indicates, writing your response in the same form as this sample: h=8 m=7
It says h=6 m=22
